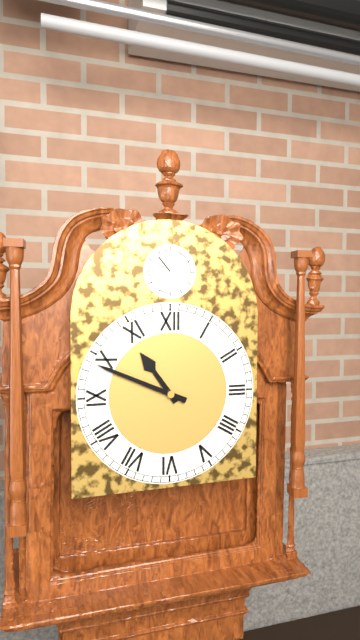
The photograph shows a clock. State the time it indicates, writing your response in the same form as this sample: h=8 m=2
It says h=10 m=49
